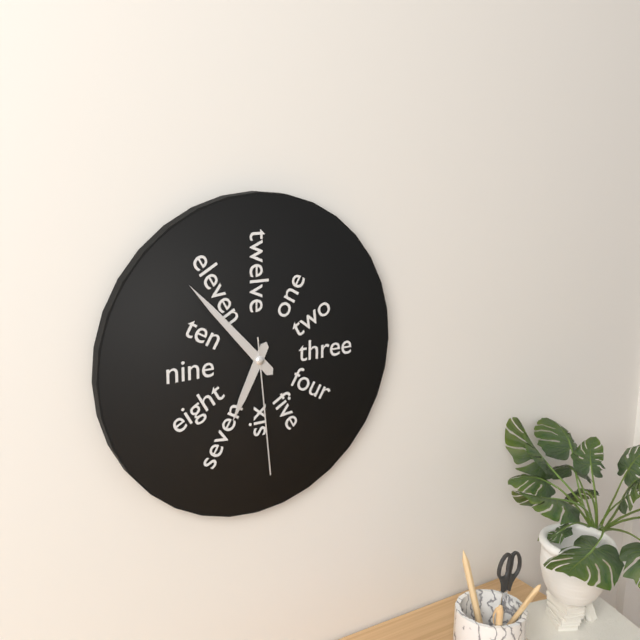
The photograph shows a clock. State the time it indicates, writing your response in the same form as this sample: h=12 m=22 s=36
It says h=6 m=53 s=29
